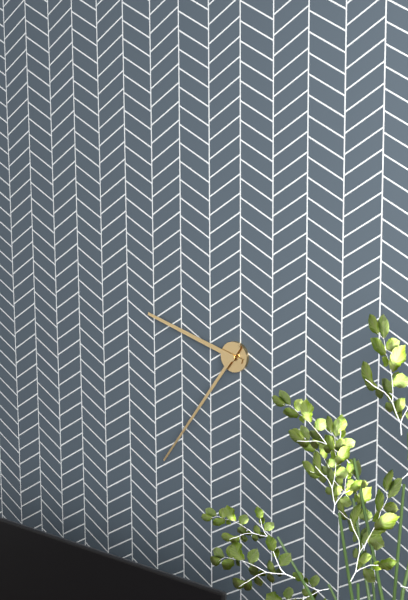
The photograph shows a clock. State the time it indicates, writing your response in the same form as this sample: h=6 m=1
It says h=9 m=36
